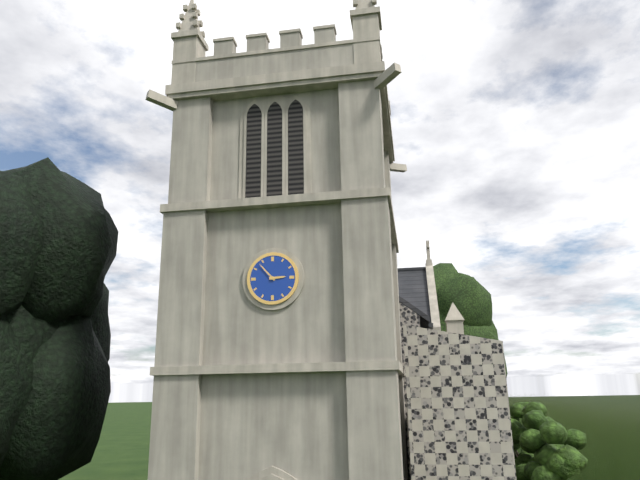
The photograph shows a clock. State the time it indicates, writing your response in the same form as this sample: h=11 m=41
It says h=2 m=53
